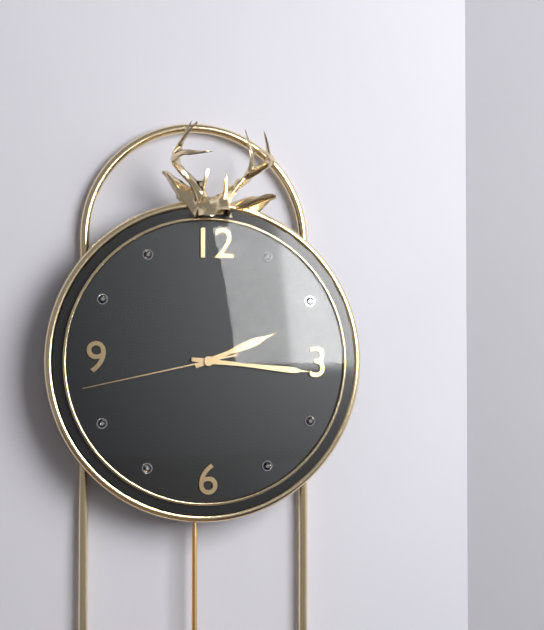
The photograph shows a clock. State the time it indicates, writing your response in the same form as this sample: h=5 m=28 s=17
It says h=2 m=16 s=43
